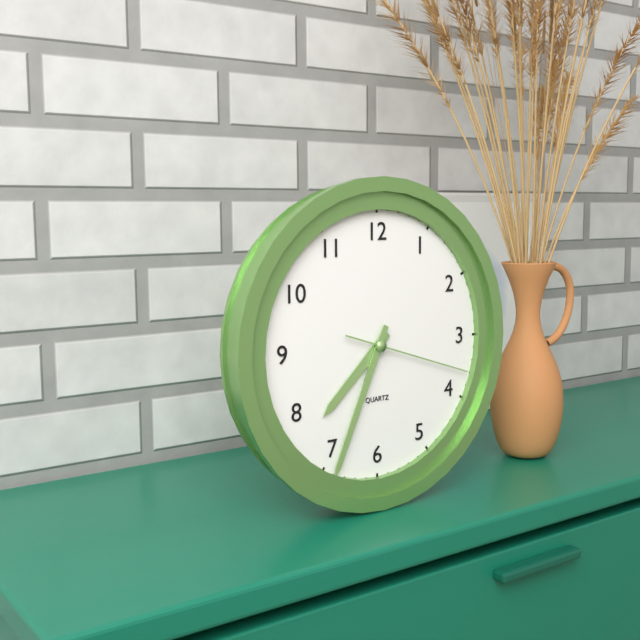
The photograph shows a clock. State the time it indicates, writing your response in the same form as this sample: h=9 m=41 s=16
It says h=7 m=34 s=18
